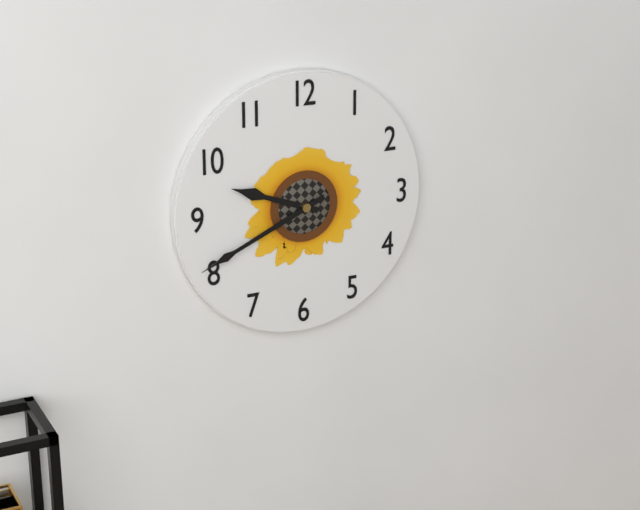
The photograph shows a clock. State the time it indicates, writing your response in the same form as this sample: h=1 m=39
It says h=9 m=41
